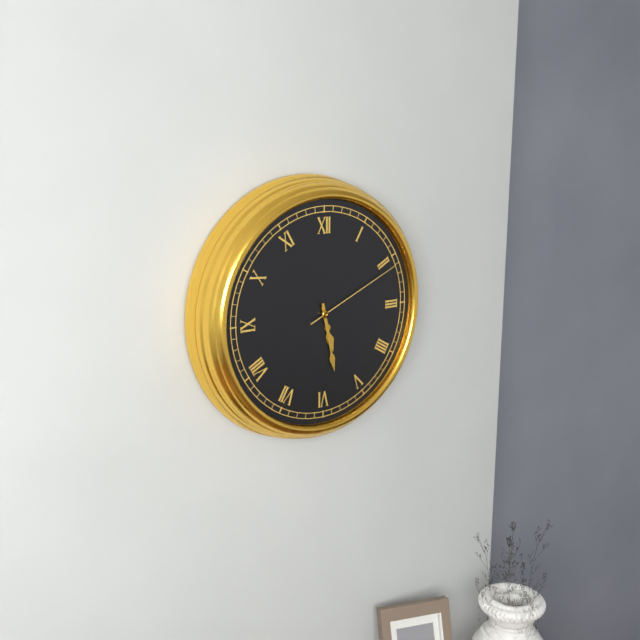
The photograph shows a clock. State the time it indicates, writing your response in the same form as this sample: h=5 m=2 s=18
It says h=5 m=28 s=11
